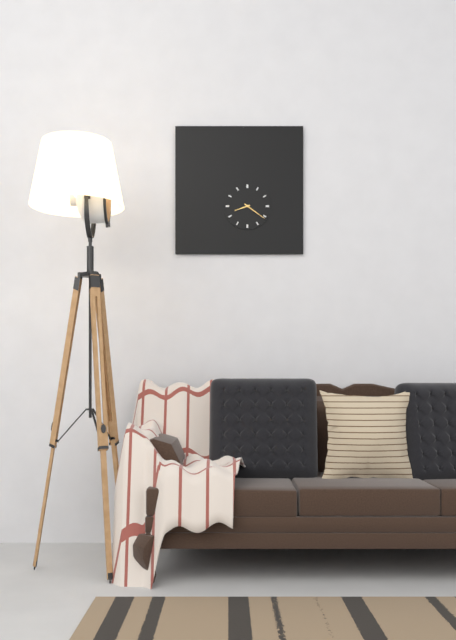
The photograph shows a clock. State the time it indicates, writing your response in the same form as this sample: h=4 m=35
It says h=8 m=21
